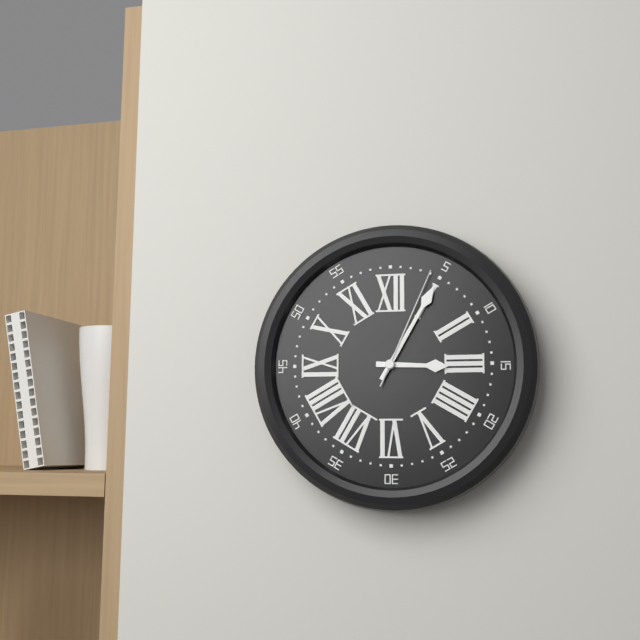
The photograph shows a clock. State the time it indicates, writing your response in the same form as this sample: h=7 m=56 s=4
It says h=3 m=5 s=4
